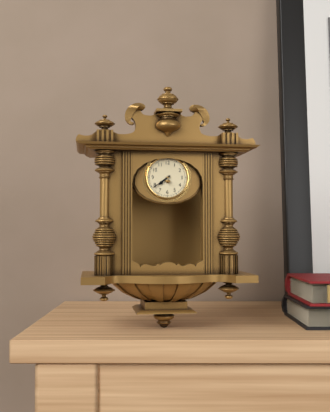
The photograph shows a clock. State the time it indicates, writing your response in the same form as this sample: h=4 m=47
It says h=7 m=39
